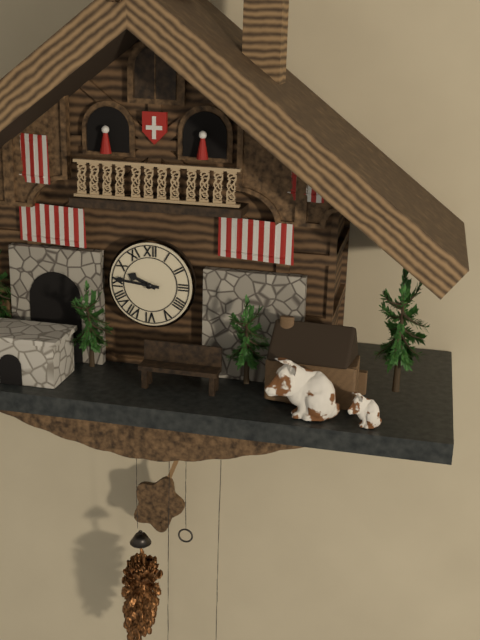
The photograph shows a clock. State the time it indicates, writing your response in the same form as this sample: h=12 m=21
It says h=9 m=46
